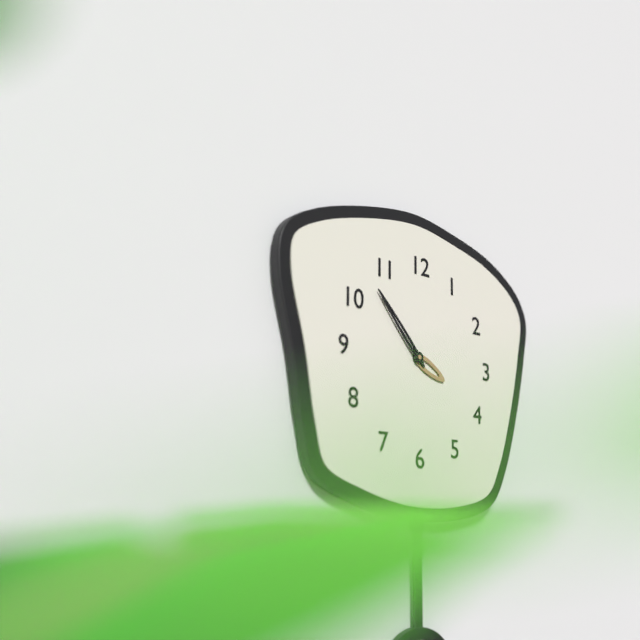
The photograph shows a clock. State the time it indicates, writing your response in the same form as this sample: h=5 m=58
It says h=3 m=53
